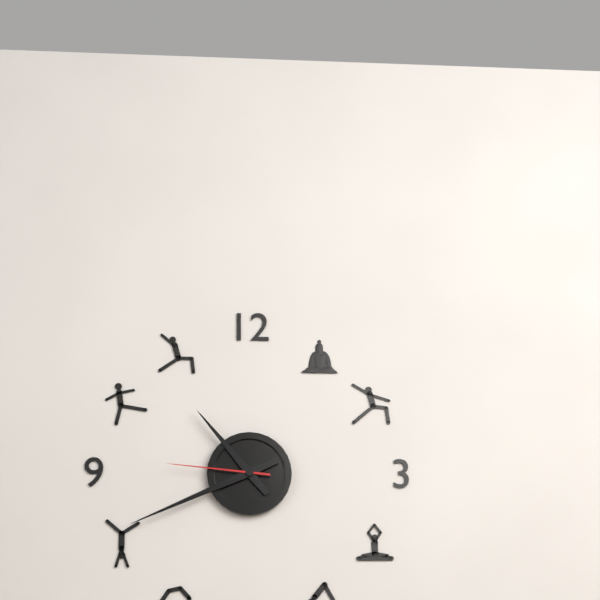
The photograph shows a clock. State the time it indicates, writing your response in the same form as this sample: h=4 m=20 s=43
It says h=10 m=41 s=46
